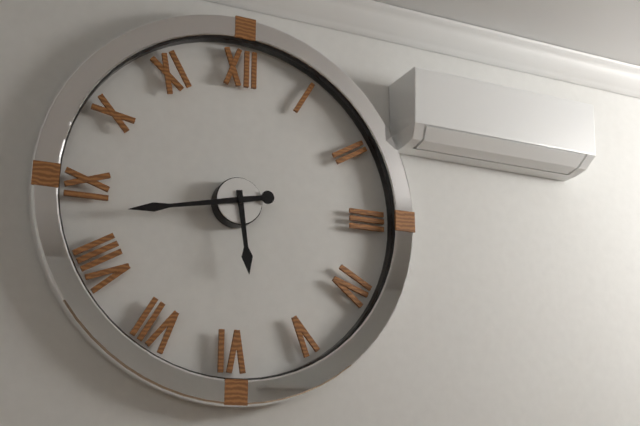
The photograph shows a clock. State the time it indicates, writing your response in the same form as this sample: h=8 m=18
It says h=5 m=43
